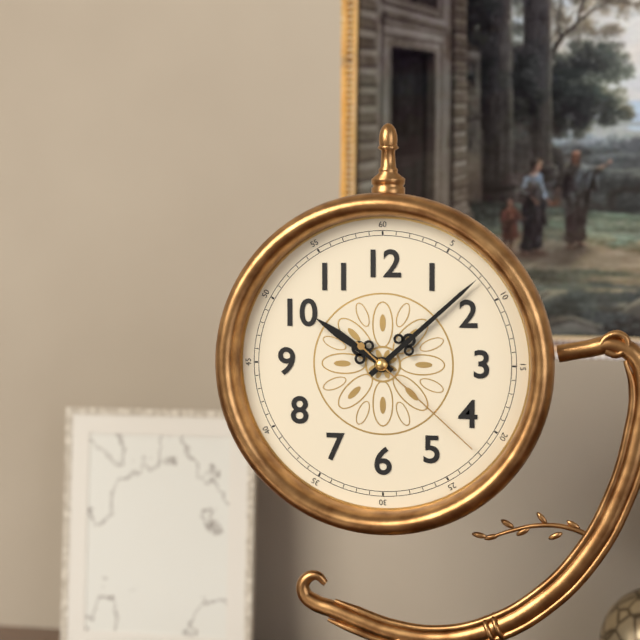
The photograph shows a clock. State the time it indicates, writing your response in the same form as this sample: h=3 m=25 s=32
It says h=10 m=8 s=22
